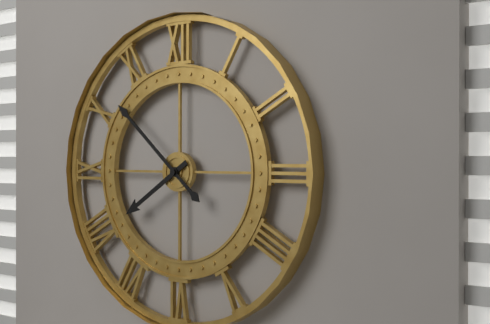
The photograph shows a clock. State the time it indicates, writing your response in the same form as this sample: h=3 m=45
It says h=7 m=52
